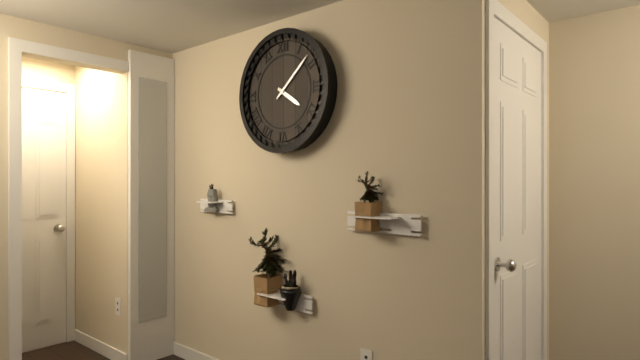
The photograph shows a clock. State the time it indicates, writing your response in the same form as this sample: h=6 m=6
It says h=4 m=8
